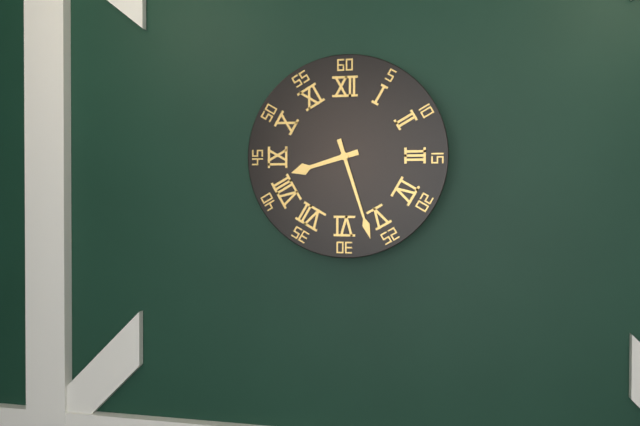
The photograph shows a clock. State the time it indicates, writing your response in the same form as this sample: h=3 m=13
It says h=8 m=27
